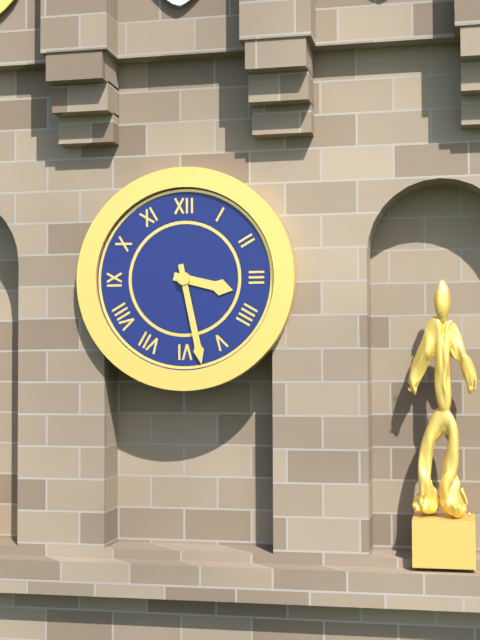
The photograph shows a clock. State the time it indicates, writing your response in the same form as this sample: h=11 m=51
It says h=3 m=28
